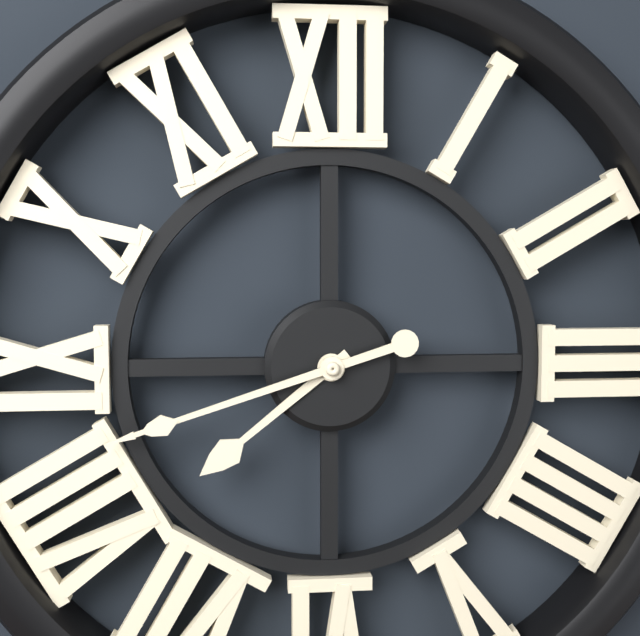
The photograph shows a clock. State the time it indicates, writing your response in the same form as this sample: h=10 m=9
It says h=7 m=42
